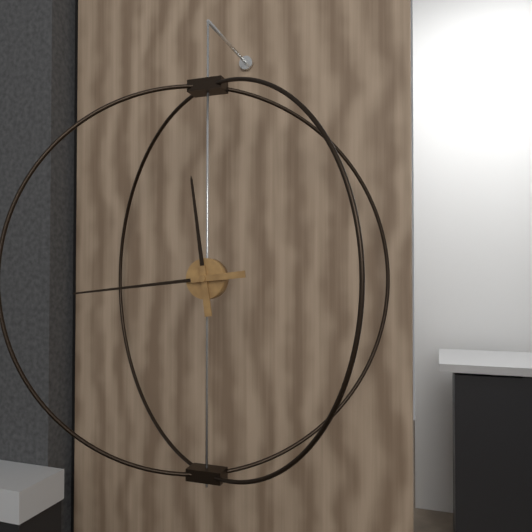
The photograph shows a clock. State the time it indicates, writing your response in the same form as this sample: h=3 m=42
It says h=11 m=44
